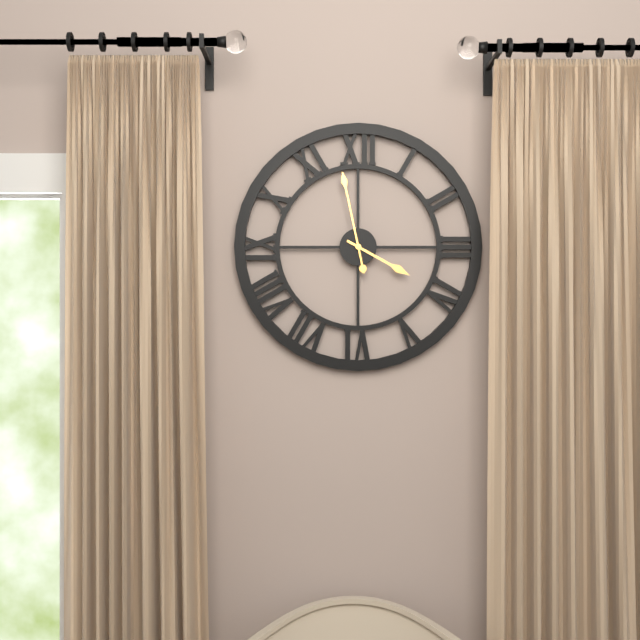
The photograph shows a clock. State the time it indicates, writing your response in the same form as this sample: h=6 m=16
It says h=3 m=58
